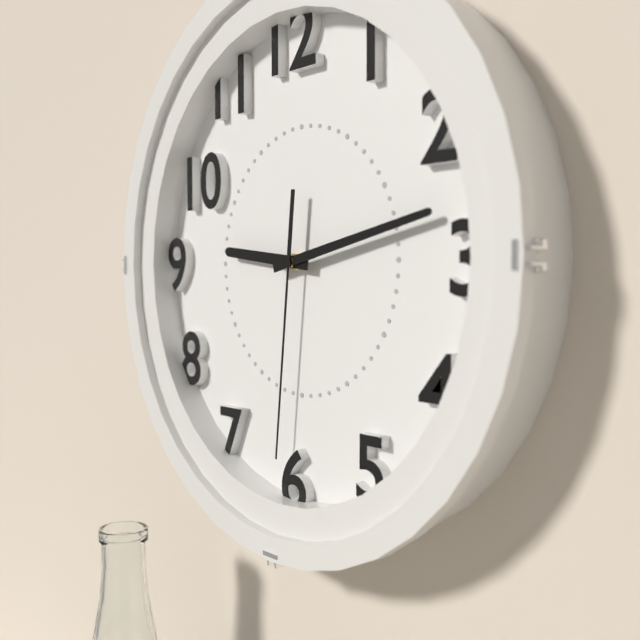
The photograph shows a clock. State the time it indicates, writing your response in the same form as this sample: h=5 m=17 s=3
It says h=9 m=13 s=31
